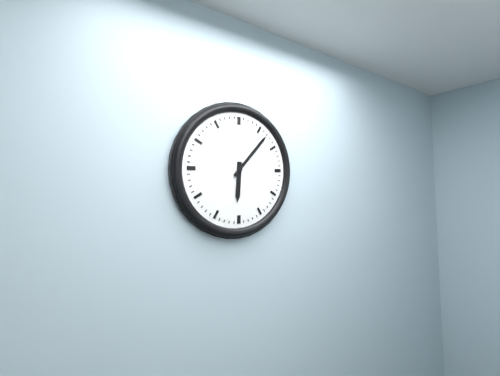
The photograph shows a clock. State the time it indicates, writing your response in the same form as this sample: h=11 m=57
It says h=6 m=7
